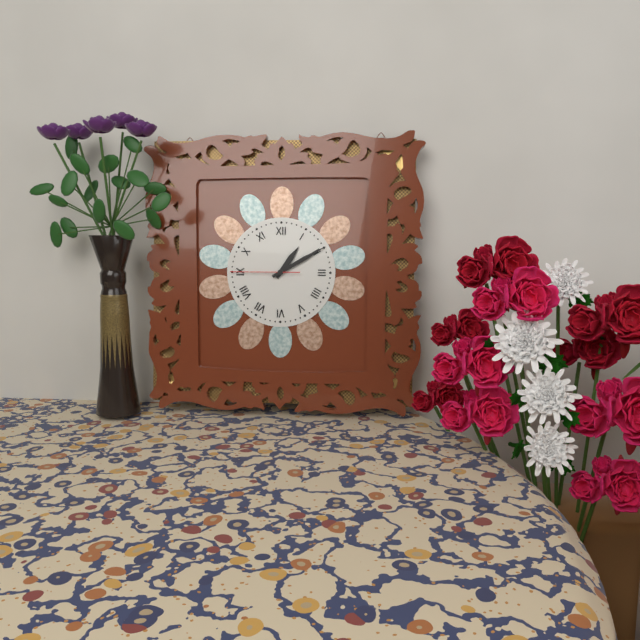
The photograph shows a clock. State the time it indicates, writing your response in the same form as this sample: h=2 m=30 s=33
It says h=1 m=10 s=45
